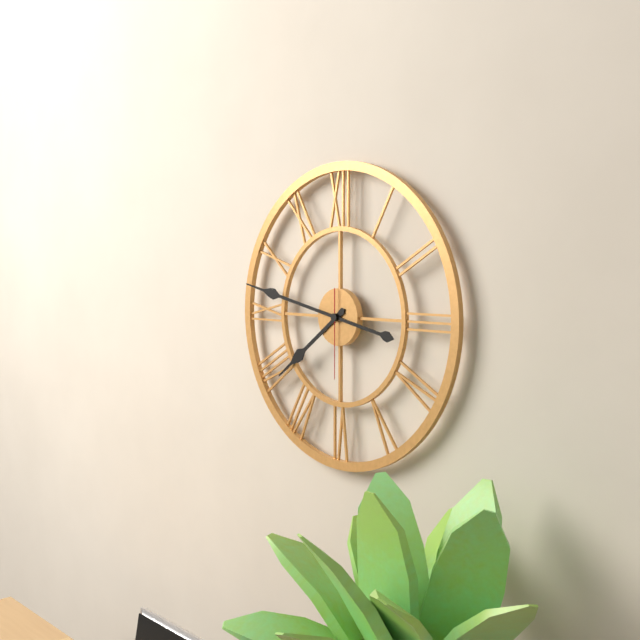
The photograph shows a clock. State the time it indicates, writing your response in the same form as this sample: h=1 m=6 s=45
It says h=7 m=47 s=30
